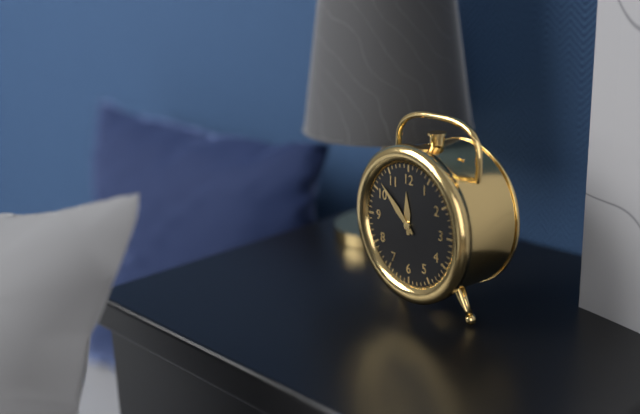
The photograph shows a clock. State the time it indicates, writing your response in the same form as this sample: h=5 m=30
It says h=11 m=52
